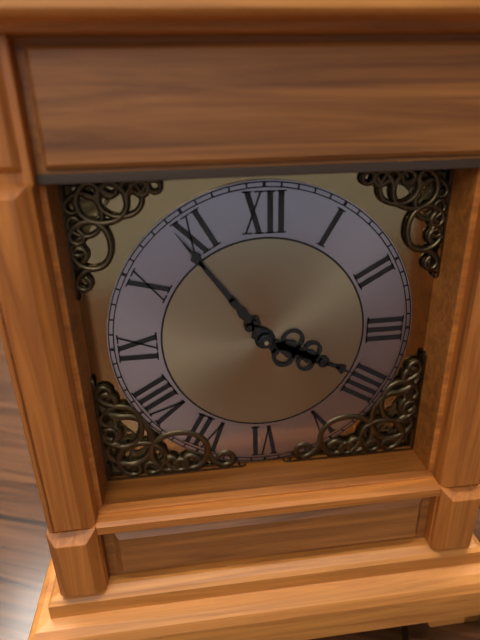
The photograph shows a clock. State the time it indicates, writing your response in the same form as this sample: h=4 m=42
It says h=3 m=54
